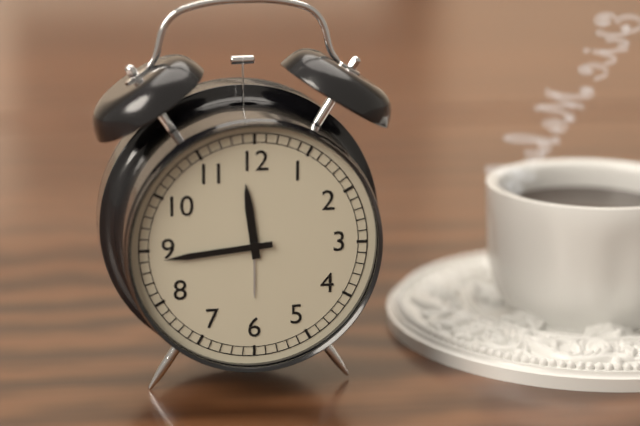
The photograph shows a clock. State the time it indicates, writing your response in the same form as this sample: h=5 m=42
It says h=11 m=44
